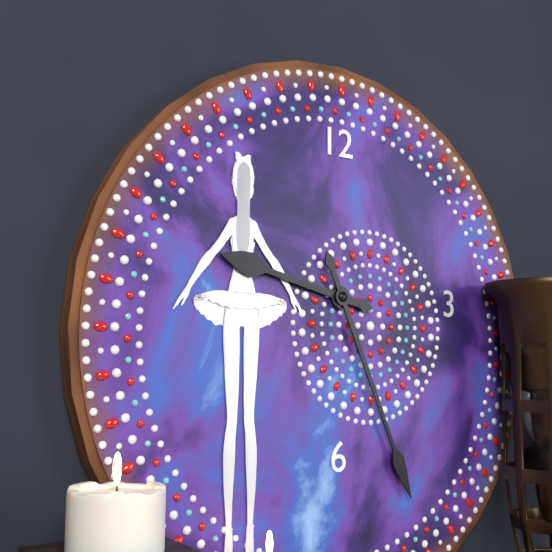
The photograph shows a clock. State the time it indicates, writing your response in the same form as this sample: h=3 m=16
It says h=9 m=26
